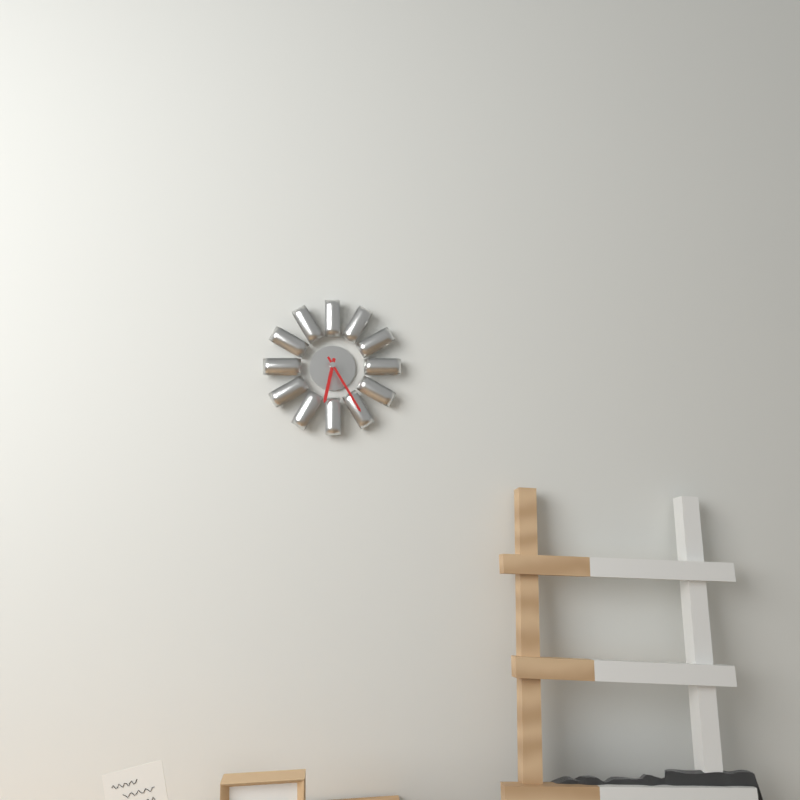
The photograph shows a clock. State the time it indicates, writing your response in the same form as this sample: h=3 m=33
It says h=6 m=25
